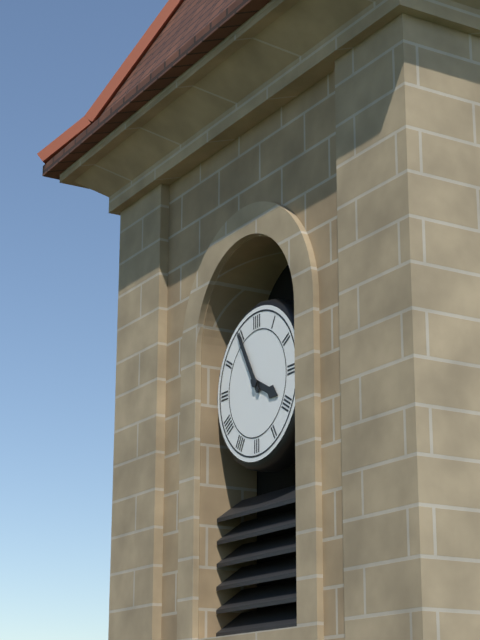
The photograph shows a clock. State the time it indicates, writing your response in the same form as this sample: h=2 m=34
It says h=3 m=55
